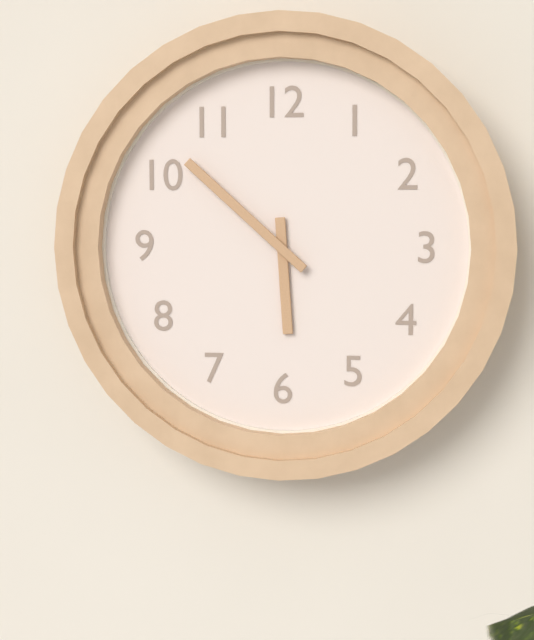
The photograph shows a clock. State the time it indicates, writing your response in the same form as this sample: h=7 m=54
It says h=5 m=52
